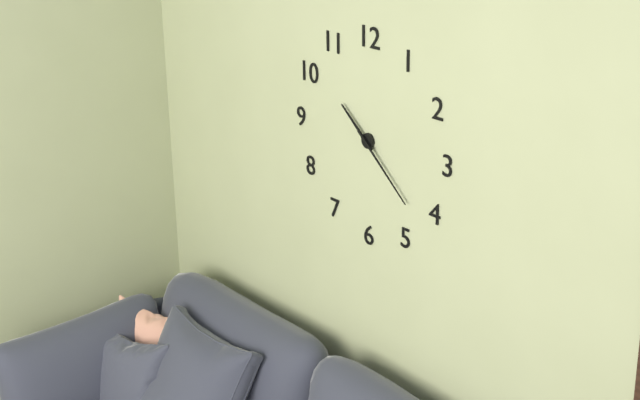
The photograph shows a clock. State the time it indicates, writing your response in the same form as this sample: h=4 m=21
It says h=10 m=22
